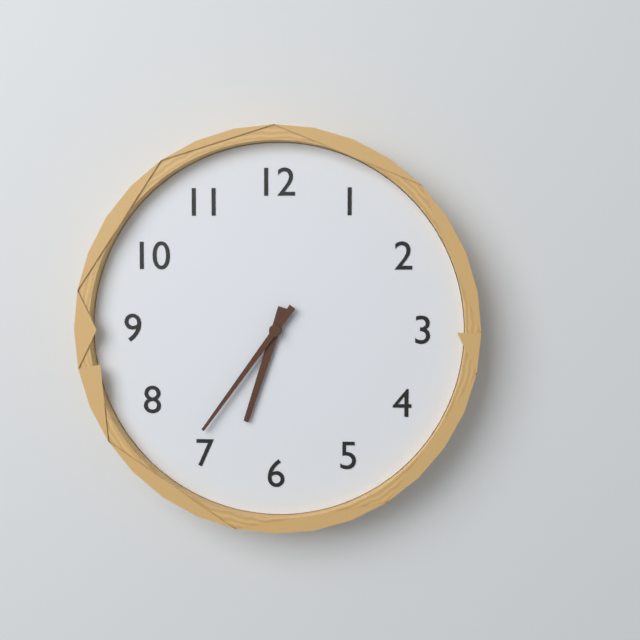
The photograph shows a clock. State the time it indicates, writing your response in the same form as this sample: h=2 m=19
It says h=6 m=36
